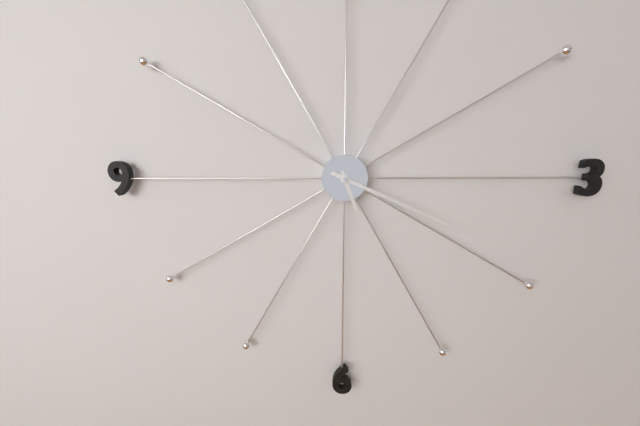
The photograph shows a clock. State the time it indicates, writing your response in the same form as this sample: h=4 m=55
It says h=5 m=19
